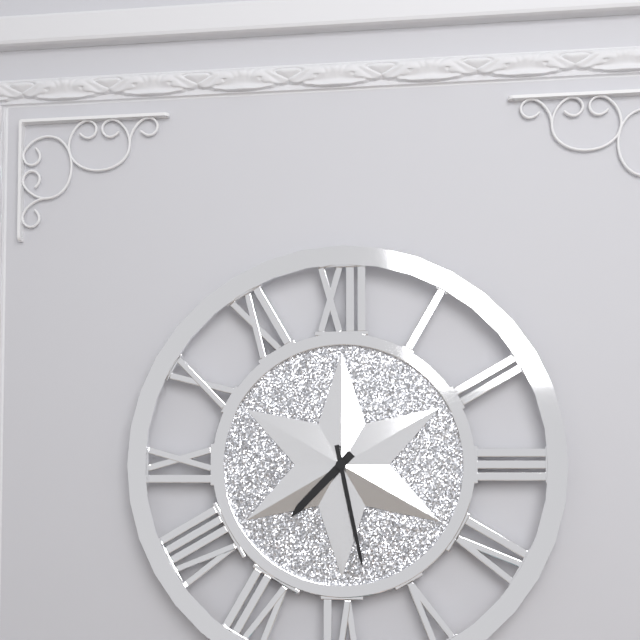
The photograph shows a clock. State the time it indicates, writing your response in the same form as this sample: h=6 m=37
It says h=7 m=28
